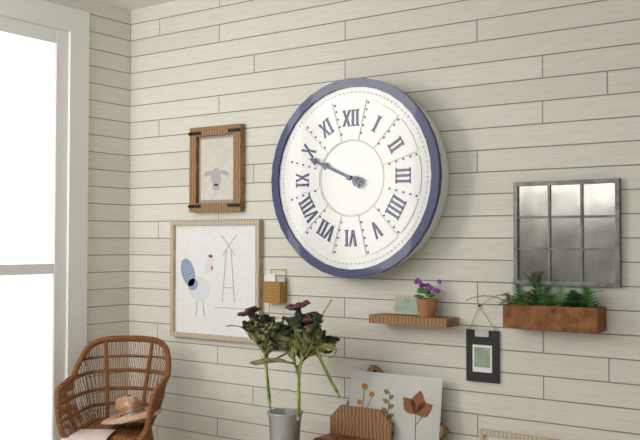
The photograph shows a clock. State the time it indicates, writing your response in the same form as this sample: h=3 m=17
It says h=9 m=49
